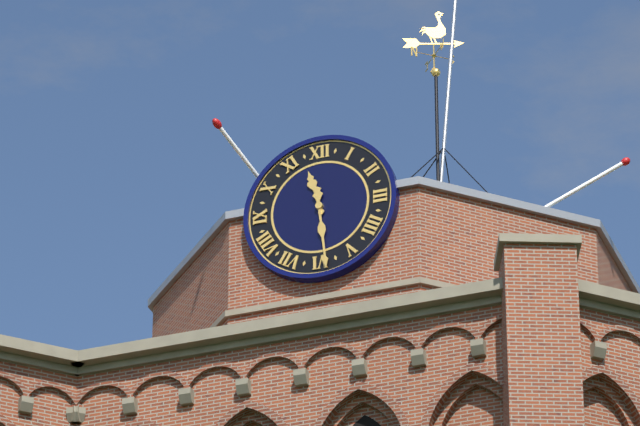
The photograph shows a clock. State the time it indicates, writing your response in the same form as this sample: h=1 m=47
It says h=11 m=29
